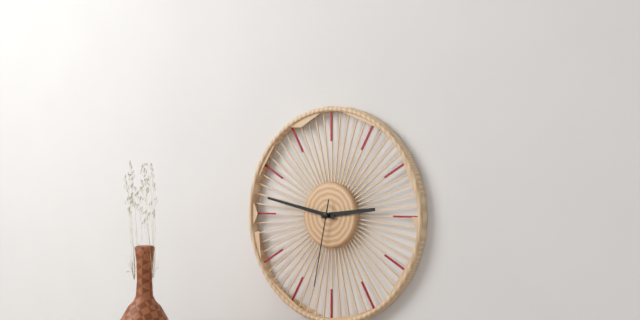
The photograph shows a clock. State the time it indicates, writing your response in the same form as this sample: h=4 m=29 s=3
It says h=2 m=47 s=32
